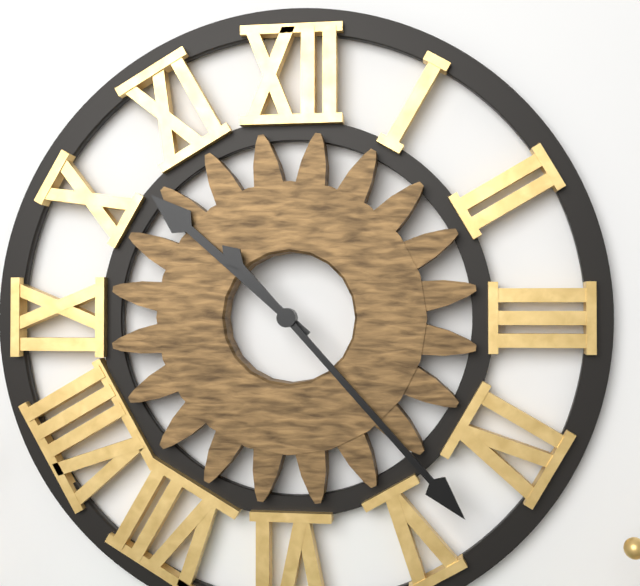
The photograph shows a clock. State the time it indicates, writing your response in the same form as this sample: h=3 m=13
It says h=10 m=23
